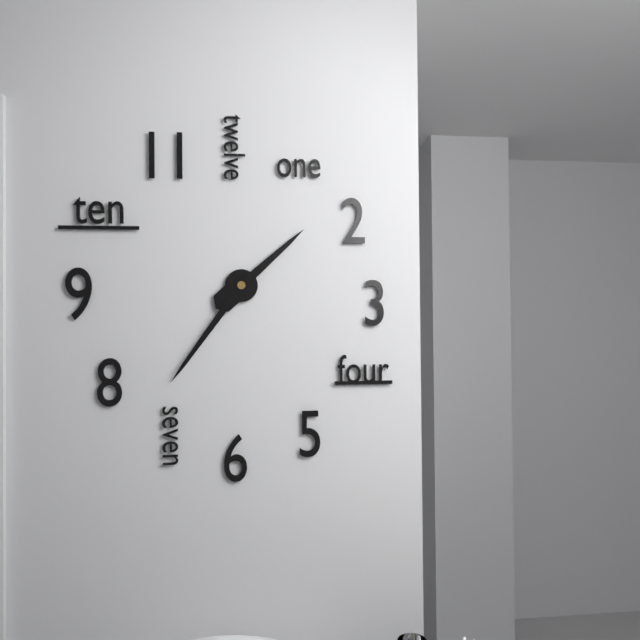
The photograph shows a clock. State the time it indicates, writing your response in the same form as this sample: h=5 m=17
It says h=1 m=36
